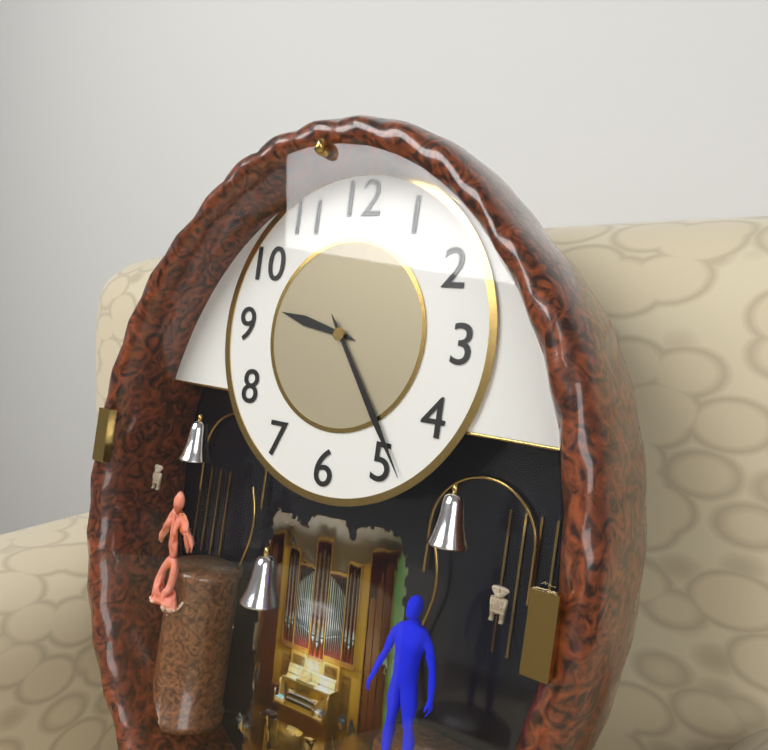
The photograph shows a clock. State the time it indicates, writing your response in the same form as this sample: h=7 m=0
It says h=9 m=24
